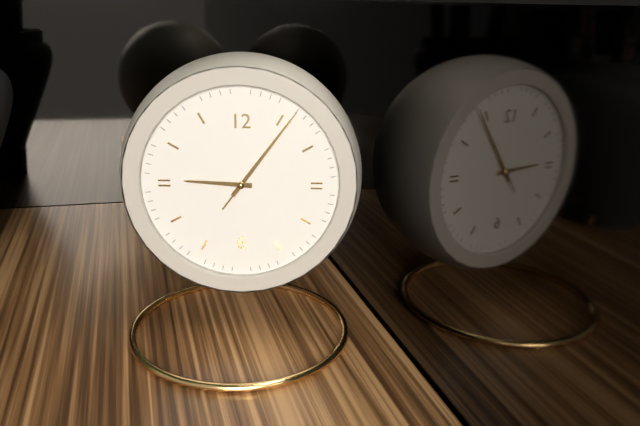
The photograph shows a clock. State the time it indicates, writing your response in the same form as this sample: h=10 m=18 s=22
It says h=9 m=6 s=6
